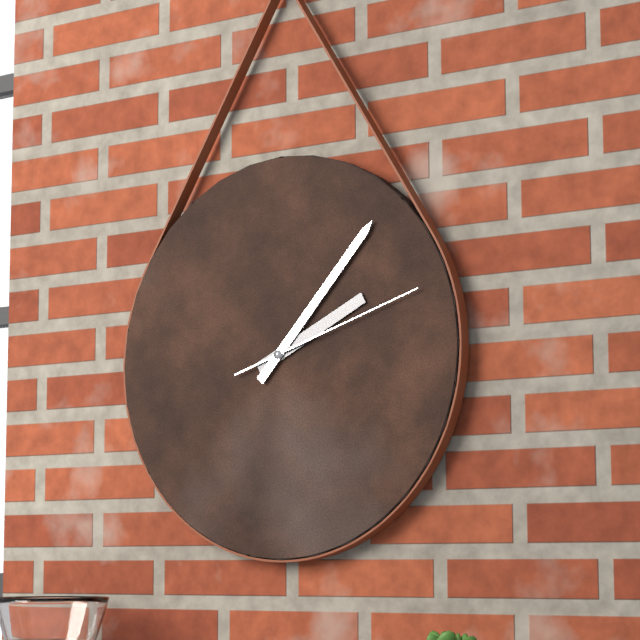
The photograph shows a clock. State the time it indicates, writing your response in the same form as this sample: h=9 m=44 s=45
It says h=2 m=7 s=12
